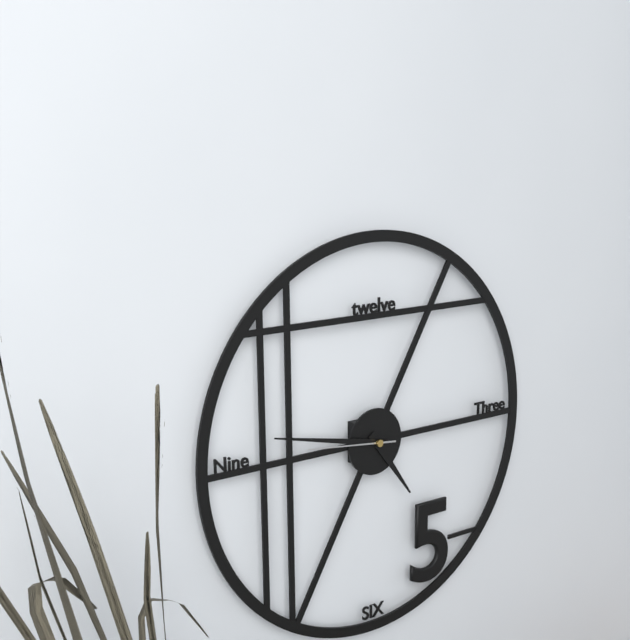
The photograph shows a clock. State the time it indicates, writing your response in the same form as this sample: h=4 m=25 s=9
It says h=4 m=47 s=46
